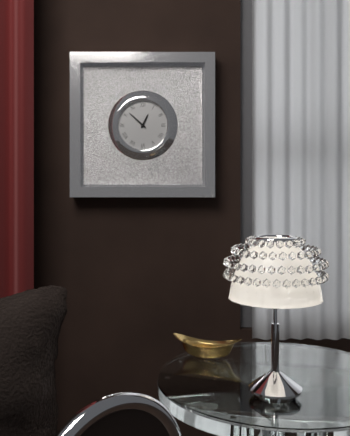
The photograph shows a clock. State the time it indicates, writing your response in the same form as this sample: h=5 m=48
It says h=12 m=52
